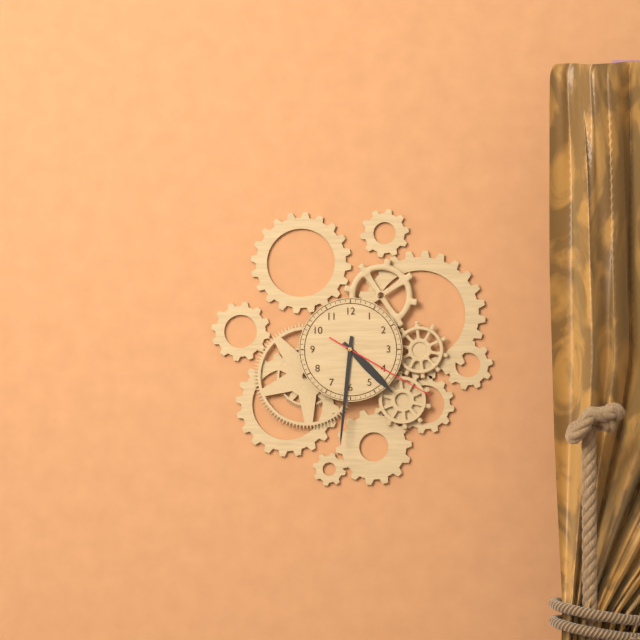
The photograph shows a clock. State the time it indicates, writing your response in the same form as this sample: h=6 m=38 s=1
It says h=4 m=31 s=20
